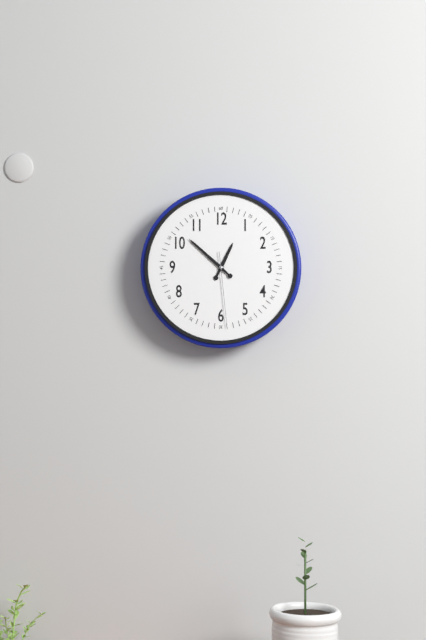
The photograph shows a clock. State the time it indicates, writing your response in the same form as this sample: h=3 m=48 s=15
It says h=12 m=52 s=29
